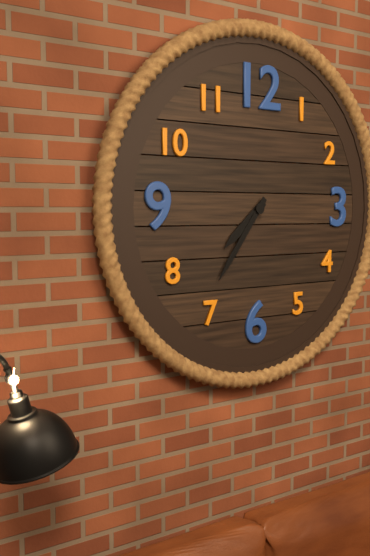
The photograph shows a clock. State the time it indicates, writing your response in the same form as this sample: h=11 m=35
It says h=7 m=36
